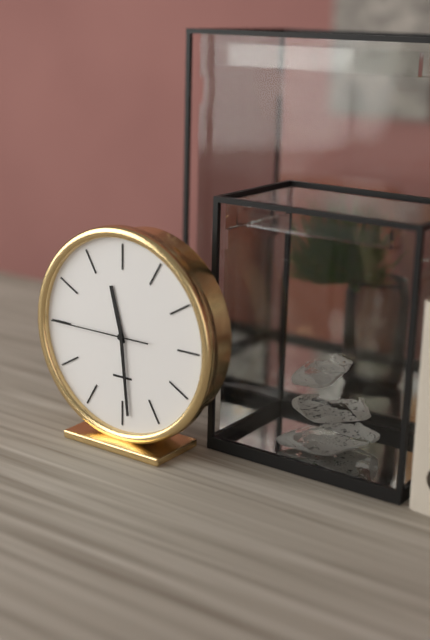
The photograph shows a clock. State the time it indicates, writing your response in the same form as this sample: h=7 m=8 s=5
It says h=11 m=29 s=45
